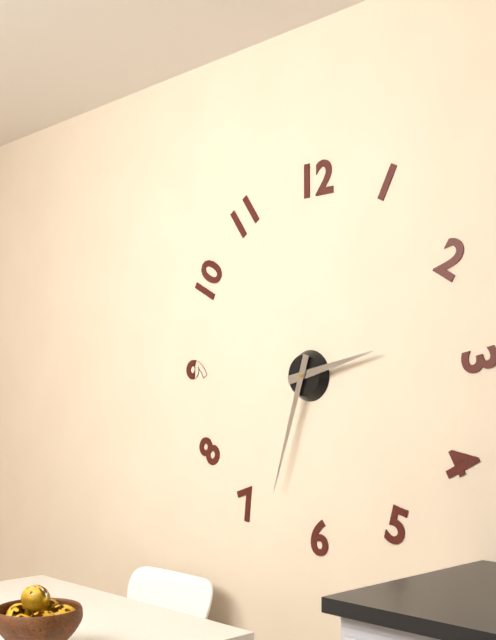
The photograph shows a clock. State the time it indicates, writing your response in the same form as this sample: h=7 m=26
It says h=2 m=33
